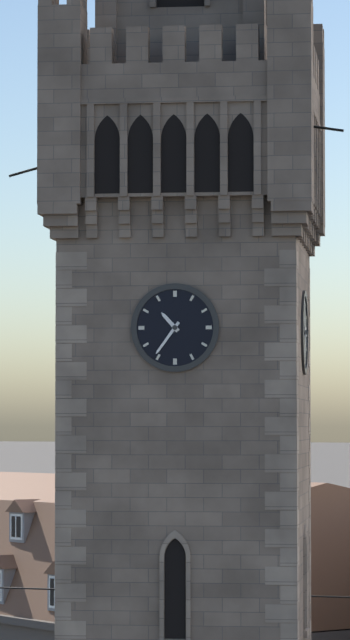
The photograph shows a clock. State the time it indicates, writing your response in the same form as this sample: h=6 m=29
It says h=10 m=36
